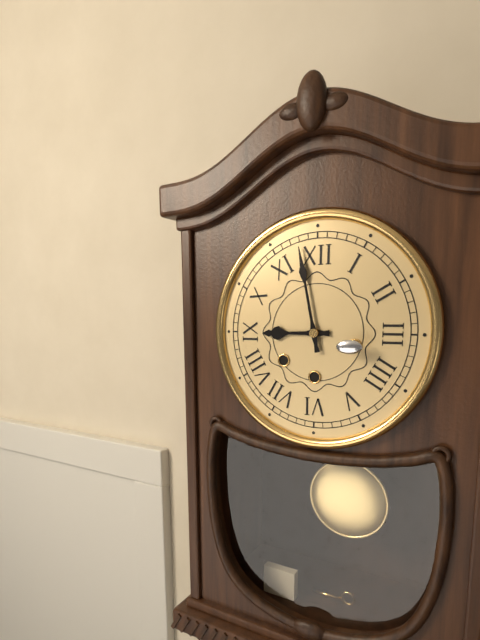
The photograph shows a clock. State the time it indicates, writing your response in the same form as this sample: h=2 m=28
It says h=8 m=58
